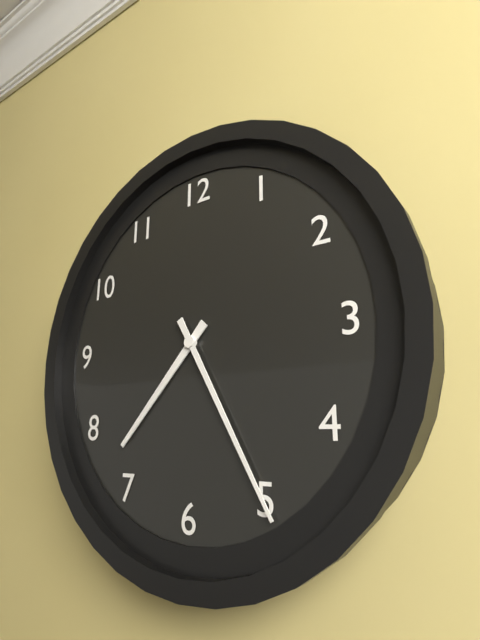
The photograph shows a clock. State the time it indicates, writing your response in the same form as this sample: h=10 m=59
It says h=7 m=25
